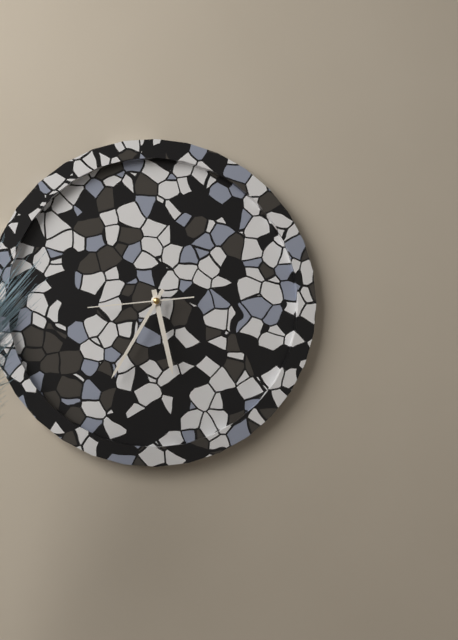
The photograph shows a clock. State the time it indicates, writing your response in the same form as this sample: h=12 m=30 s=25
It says h=5 m=35 s=44
